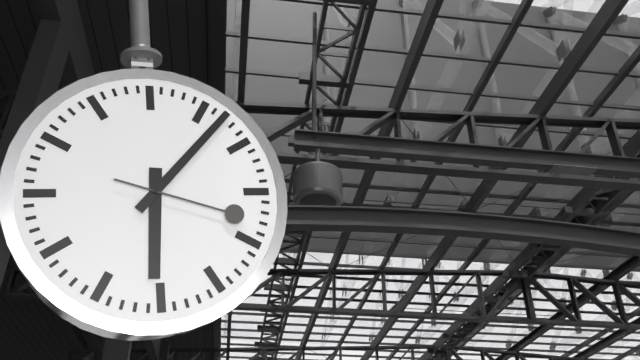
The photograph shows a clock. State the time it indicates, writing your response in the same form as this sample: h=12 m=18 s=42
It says h=6 m=7 s=18
